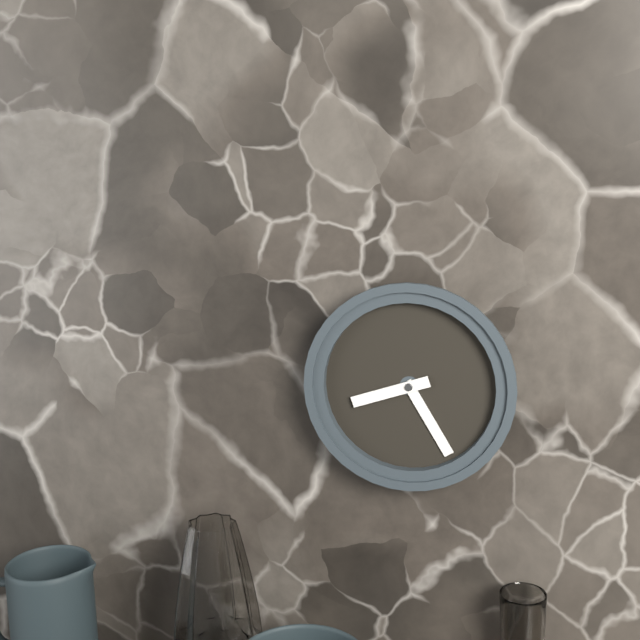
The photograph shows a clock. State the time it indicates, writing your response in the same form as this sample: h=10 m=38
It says h=8 m=25
